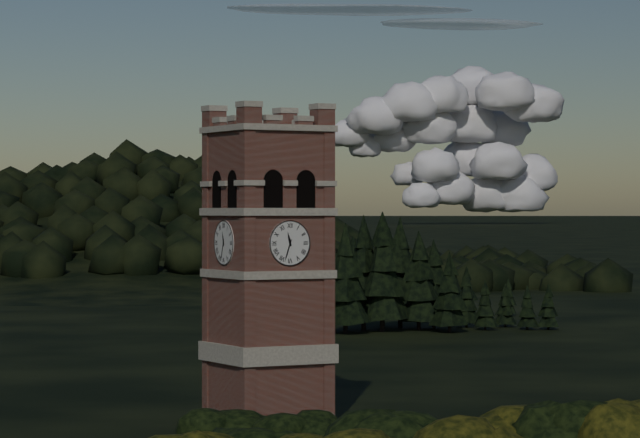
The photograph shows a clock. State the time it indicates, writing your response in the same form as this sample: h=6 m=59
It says h=11 m=33
